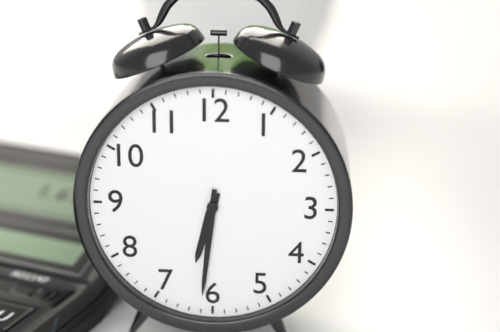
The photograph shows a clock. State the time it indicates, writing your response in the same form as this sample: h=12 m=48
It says h=6 m=31
